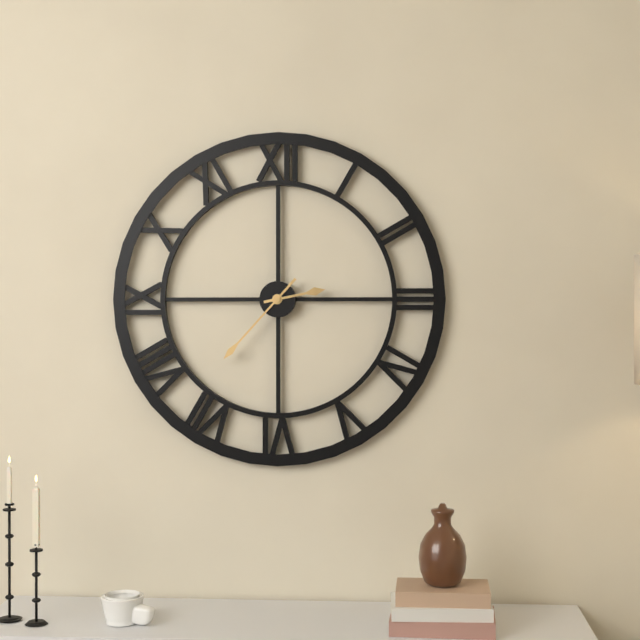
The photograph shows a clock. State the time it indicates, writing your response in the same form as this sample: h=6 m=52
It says h=2 m=37
